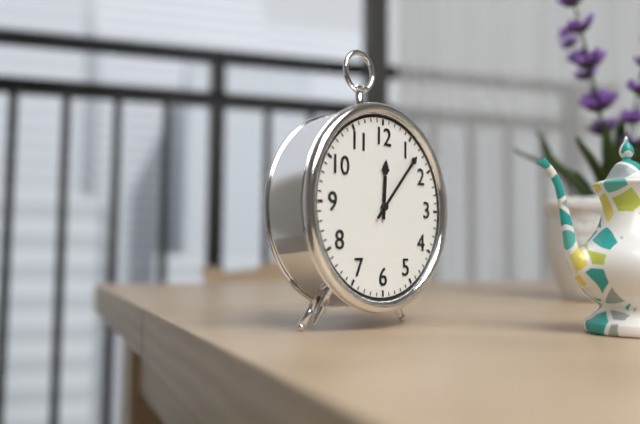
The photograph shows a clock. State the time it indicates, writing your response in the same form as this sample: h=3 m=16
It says h=12 m=7
